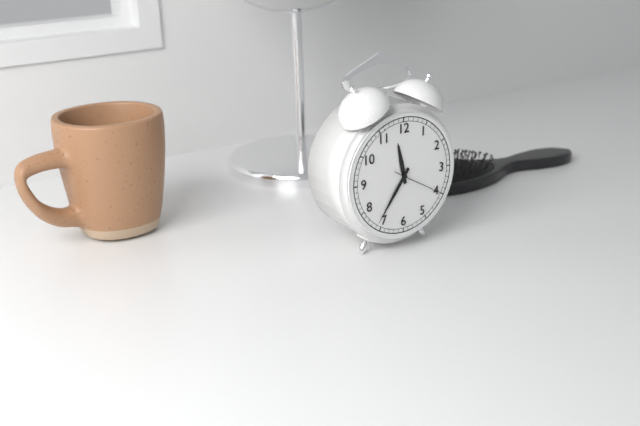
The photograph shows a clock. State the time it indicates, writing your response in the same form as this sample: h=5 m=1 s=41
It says h=11 m=36 s=20
